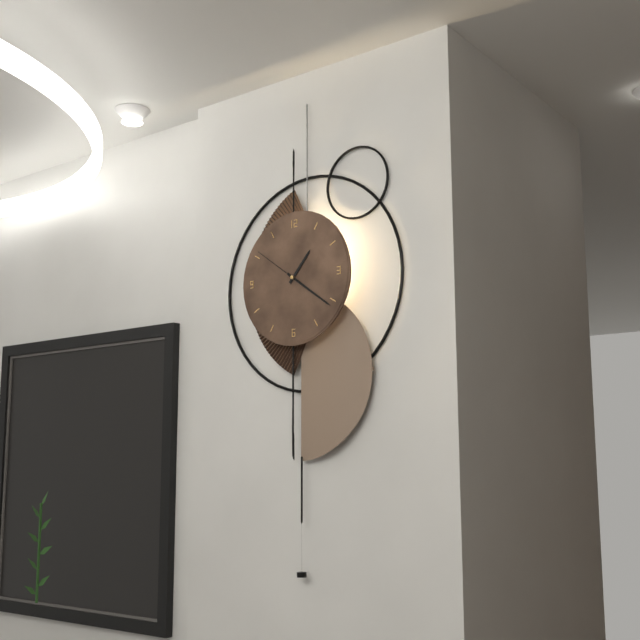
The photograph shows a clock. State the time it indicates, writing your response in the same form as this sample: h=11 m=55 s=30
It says h=1 m=21 s=51
